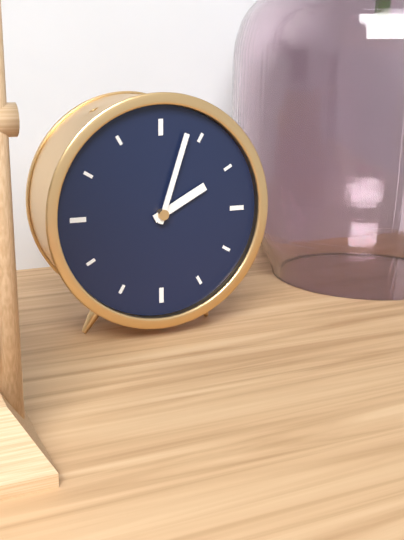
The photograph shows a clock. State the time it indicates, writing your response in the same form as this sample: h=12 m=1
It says h=2 m=3
